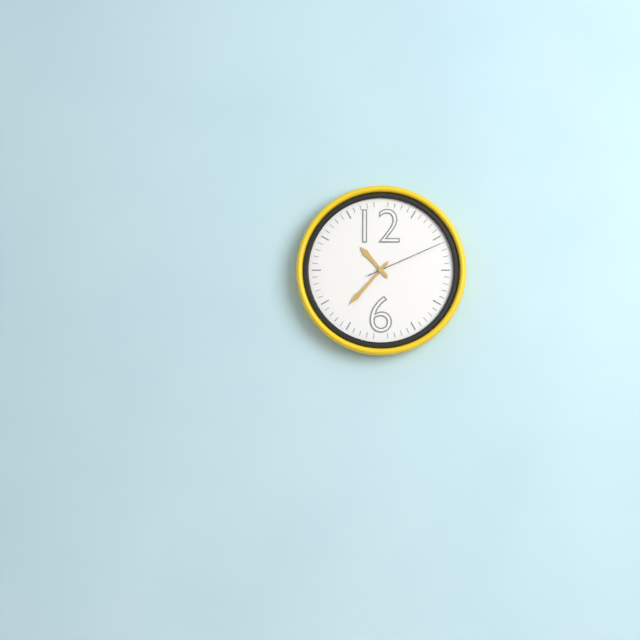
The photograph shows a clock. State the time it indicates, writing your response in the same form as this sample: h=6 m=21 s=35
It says h=10 m=37 s=11
